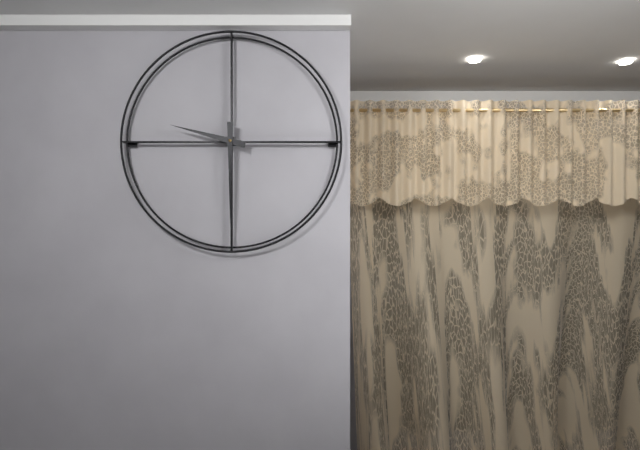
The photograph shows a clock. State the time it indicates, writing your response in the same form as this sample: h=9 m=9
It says h=9 m=30
